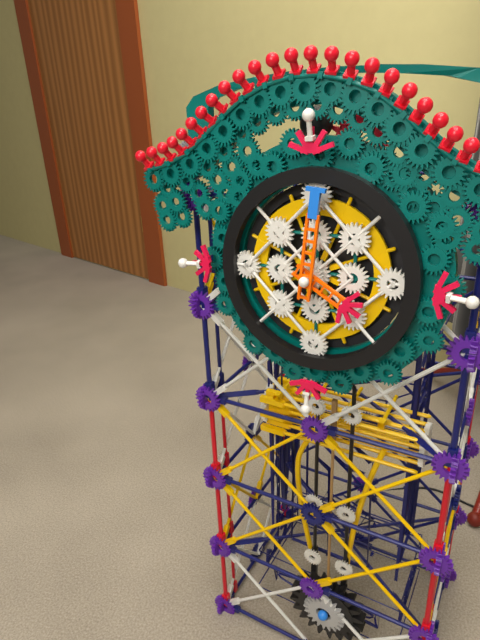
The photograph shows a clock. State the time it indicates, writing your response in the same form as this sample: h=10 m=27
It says h=4 m=1
